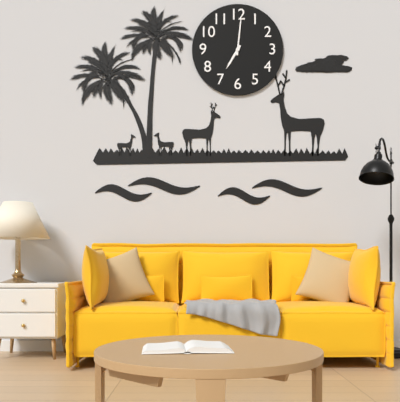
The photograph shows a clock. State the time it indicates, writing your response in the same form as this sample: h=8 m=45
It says h=7 m=1
